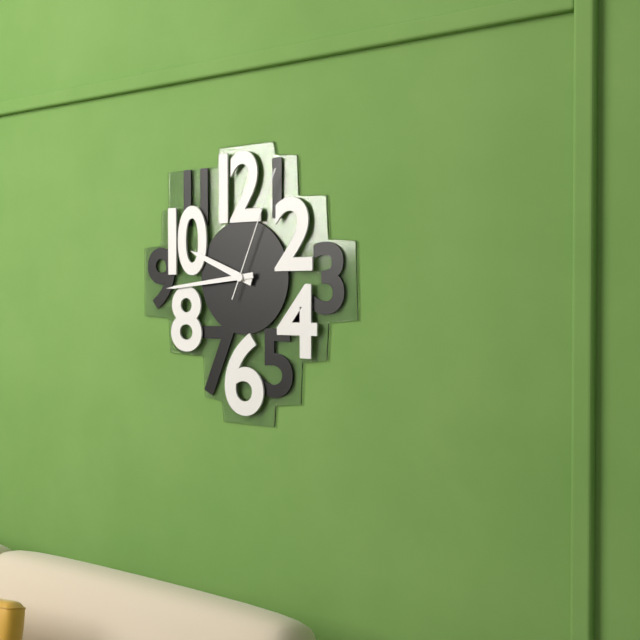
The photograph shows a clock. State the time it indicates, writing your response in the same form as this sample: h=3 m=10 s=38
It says h=9 m=44 s=4
